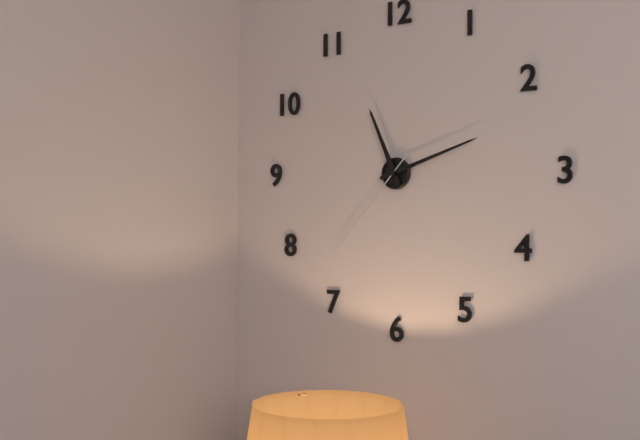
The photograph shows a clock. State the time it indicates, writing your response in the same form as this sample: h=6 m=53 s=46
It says h=11 m=12 s=37
